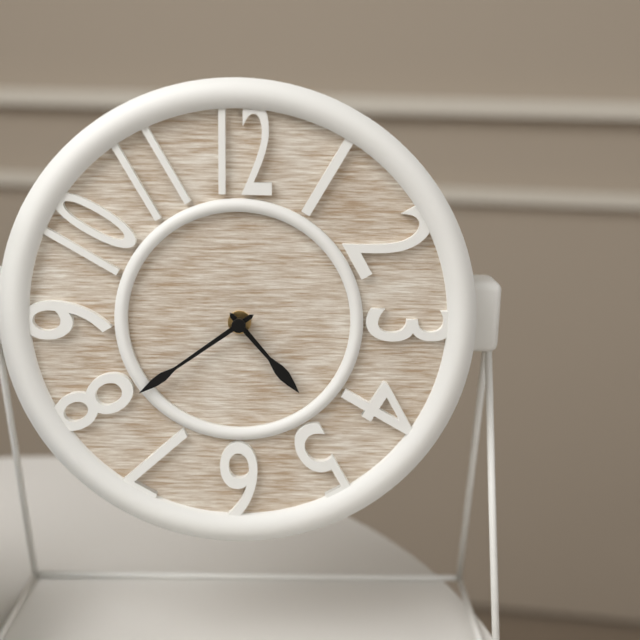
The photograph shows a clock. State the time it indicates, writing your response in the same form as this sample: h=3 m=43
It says h=4 m=39
